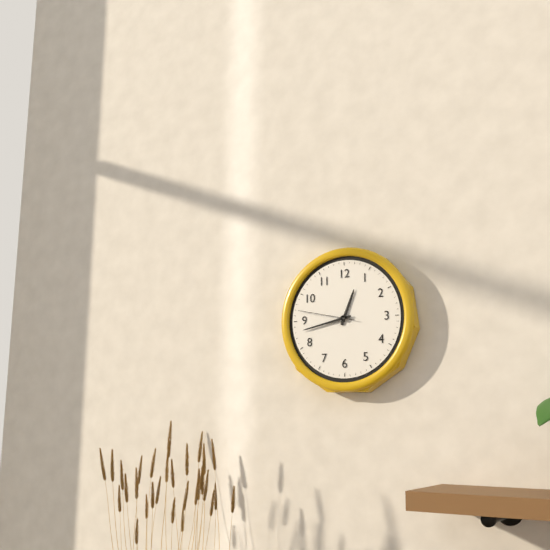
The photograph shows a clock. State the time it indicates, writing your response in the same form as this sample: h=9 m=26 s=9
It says h=12 m=43 s=47
